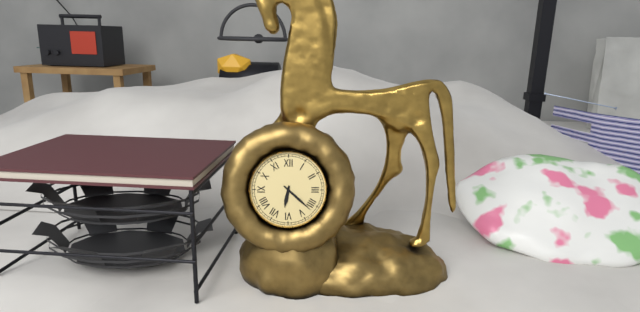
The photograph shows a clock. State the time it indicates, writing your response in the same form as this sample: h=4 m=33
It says h=6 m=22
